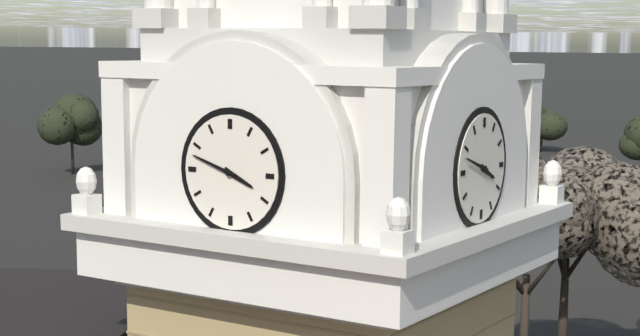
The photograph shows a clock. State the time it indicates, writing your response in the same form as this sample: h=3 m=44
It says h=3 m=48
